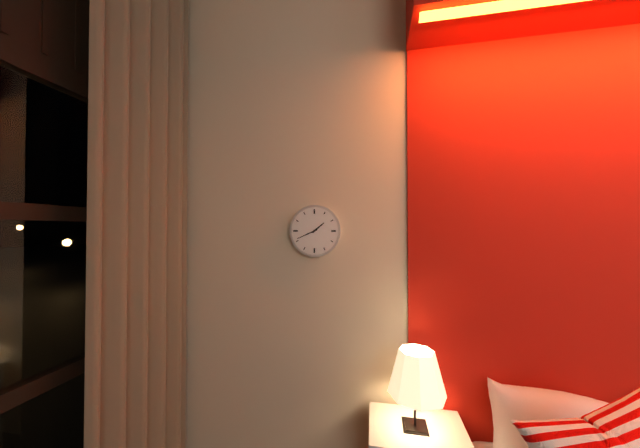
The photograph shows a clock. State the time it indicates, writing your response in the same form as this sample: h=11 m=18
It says h=1 m=41
